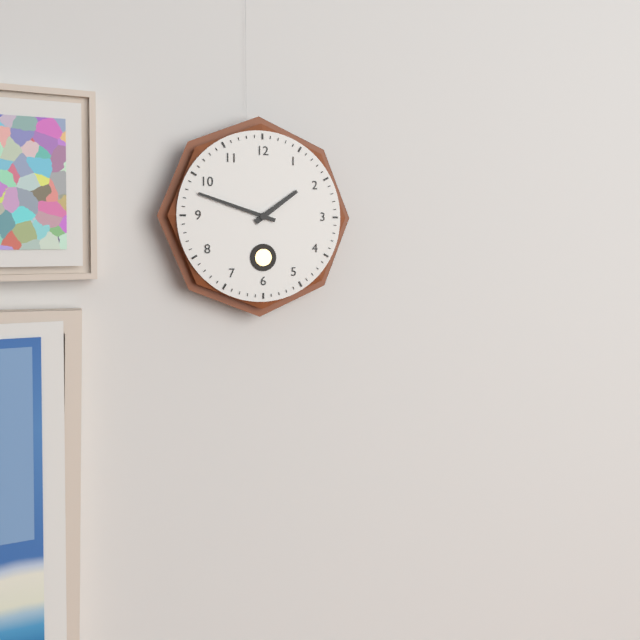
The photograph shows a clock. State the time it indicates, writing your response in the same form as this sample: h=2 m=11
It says h=1 m=48
